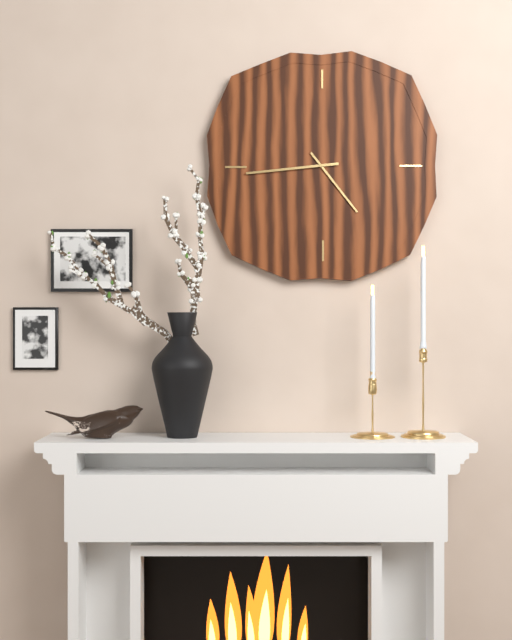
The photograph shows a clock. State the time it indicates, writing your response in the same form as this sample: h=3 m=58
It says h=4 m=44
